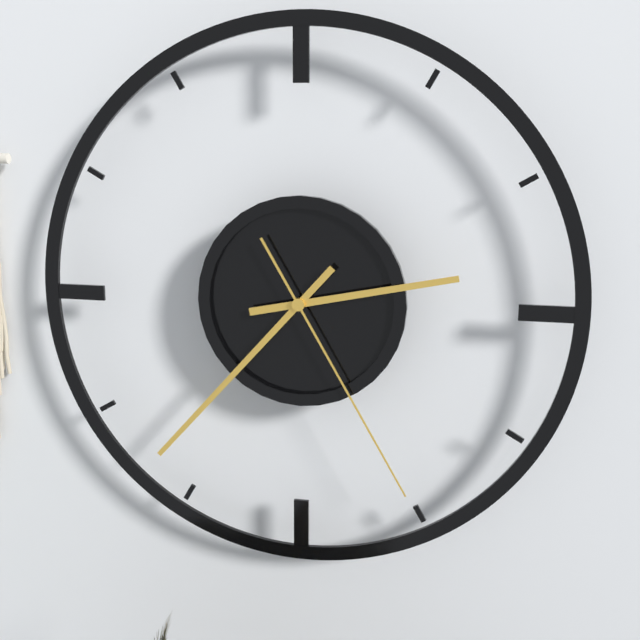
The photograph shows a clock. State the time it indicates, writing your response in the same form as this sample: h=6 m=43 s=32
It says h=2 m=37 s=25
